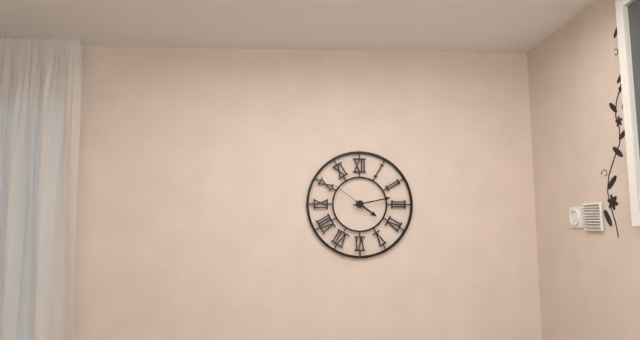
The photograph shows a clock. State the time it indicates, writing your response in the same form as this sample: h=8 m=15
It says h=4 m=13
